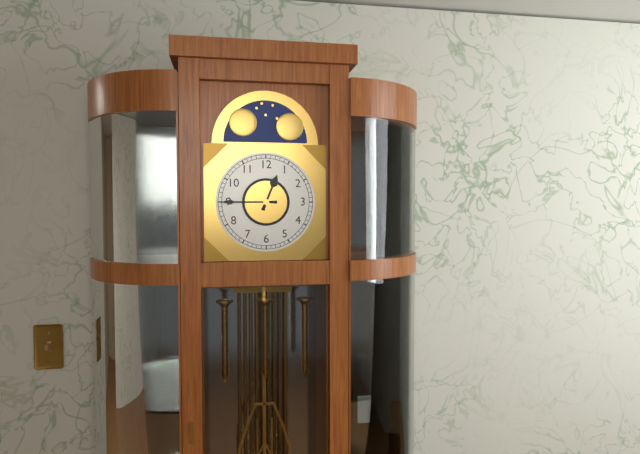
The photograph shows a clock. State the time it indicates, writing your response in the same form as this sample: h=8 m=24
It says h=12 m=45
